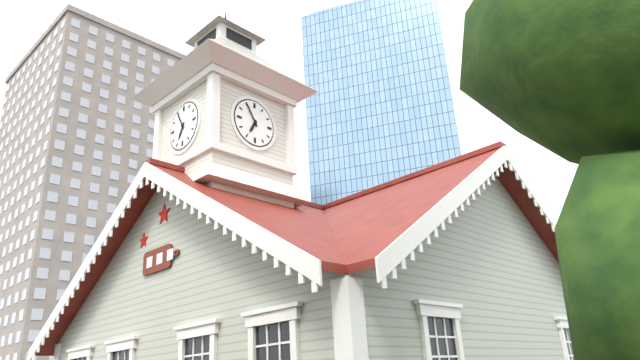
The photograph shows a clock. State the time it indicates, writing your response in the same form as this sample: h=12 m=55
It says h=6 m=55
